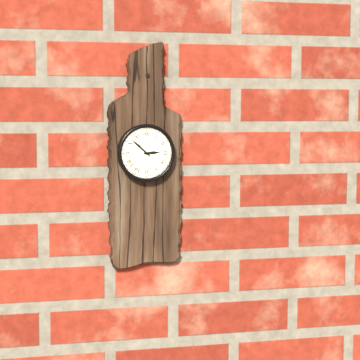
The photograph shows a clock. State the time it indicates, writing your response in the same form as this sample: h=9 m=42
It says h=2 m=52
